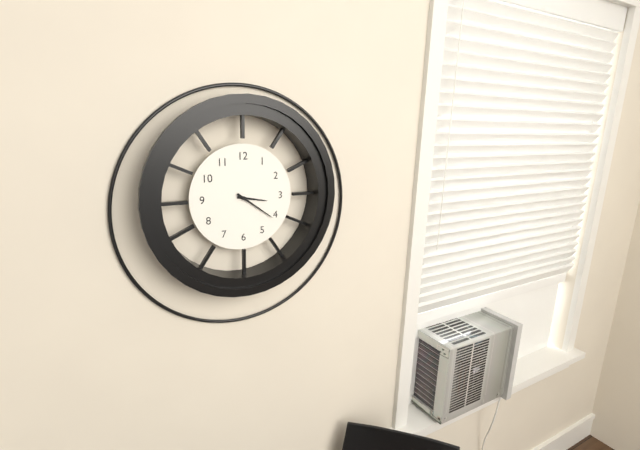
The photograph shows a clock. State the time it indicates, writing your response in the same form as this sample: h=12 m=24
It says h=3 m=21
